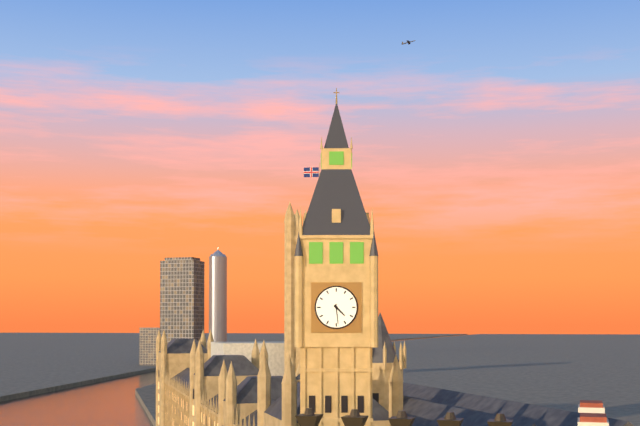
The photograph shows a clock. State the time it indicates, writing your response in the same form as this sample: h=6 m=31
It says h=4 m=29
